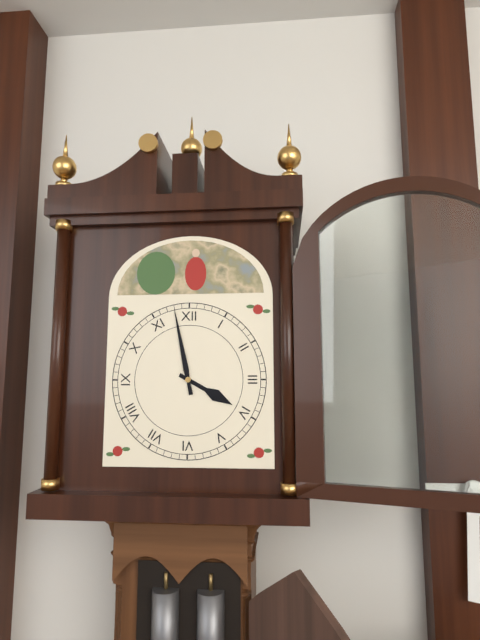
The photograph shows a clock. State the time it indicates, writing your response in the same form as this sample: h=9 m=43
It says h=3 m=58
